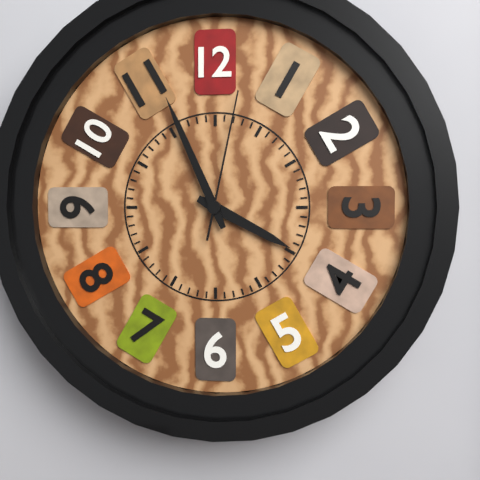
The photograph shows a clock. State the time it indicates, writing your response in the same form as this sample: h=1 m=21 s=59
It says h=3 m=56 s=2
